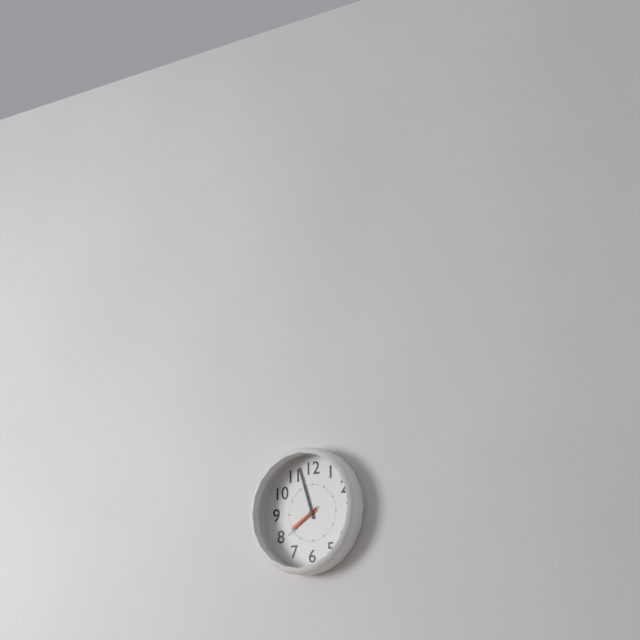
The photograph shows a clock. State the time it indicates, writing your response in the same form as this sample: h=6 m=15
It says h=7 m=57
